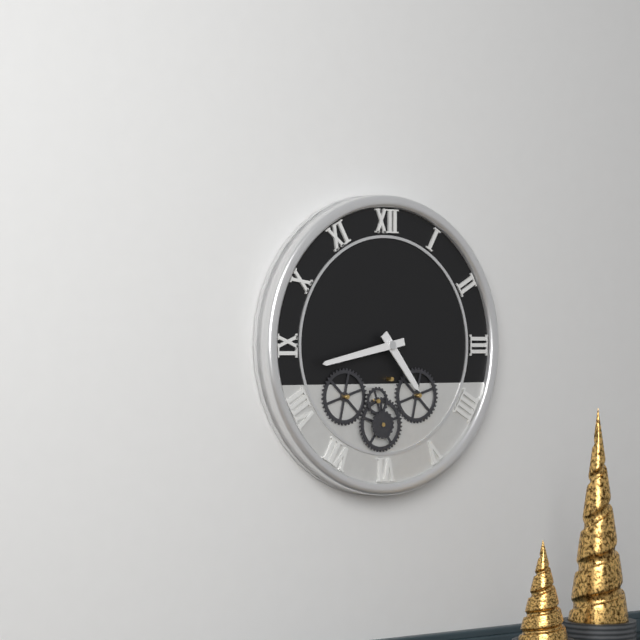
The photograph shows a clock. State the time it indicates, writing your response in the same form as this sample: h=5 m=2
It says h=4 m=43
